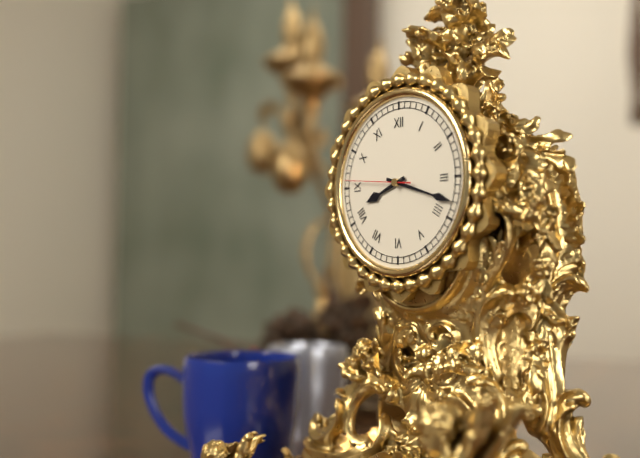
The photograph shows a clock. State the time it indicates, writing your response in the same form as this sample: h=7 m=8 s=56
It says h=8 m=18 s=46
